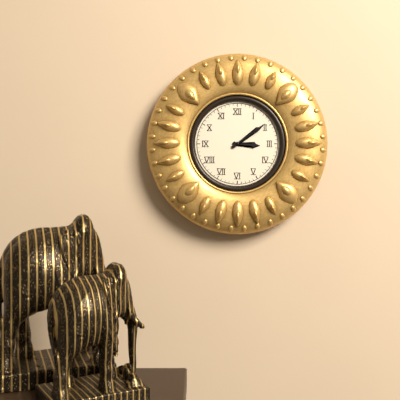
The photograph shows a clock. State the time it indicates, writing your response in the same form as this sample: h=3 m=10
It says h=3 m=9
